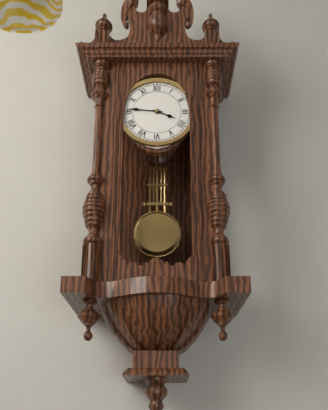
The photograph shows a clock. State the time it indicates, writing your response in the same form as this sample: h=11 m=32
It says h=3 m=46
